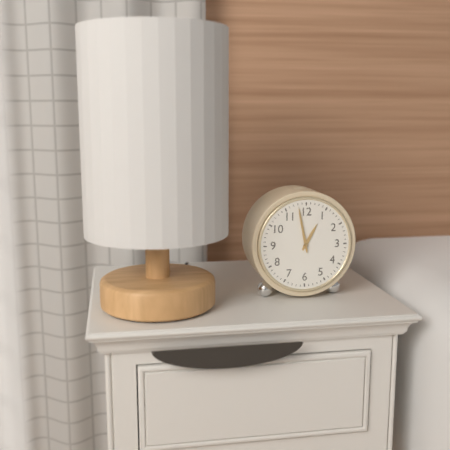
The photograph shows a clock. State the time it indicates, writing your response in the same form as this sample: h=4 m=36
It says h=12 m=58
